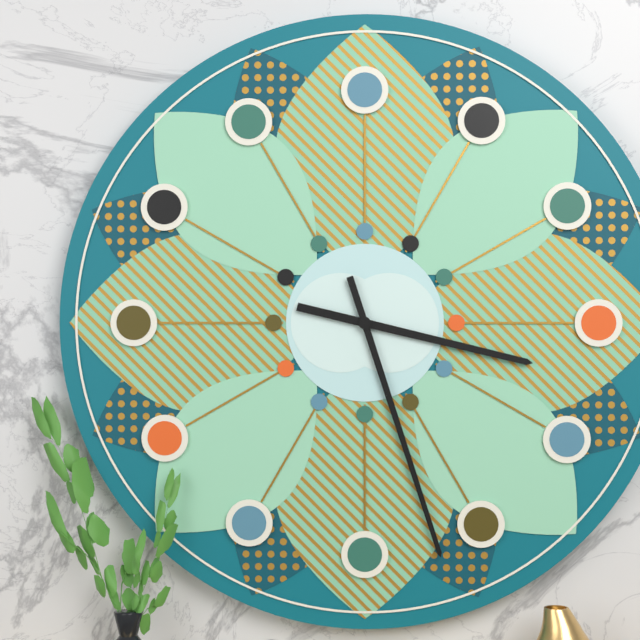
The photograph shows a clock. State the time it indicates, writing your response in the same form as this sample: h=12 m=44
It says h=3 m=27
